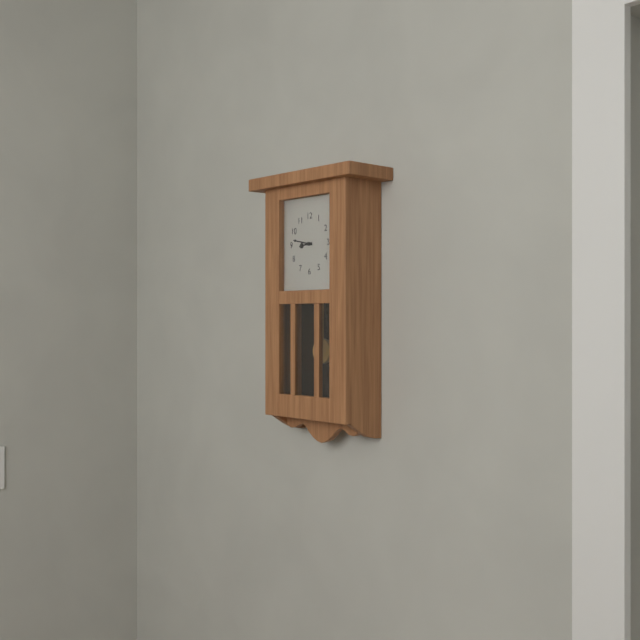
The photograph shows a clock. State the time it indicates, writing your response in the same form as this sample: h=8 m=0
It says h=8 m=47
